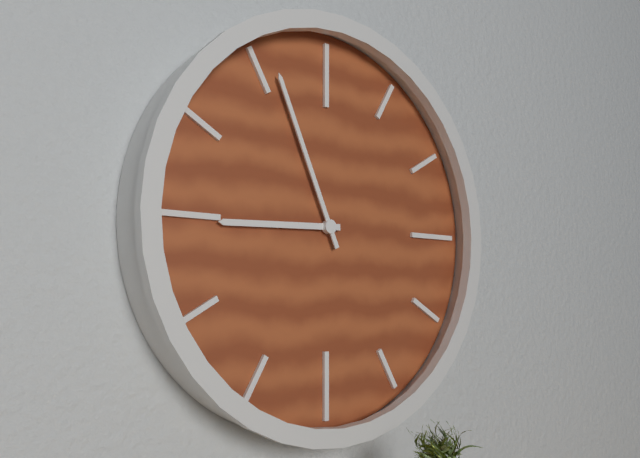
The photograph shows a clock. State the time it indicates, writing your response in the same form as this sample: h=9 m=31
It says h=8 m=56
